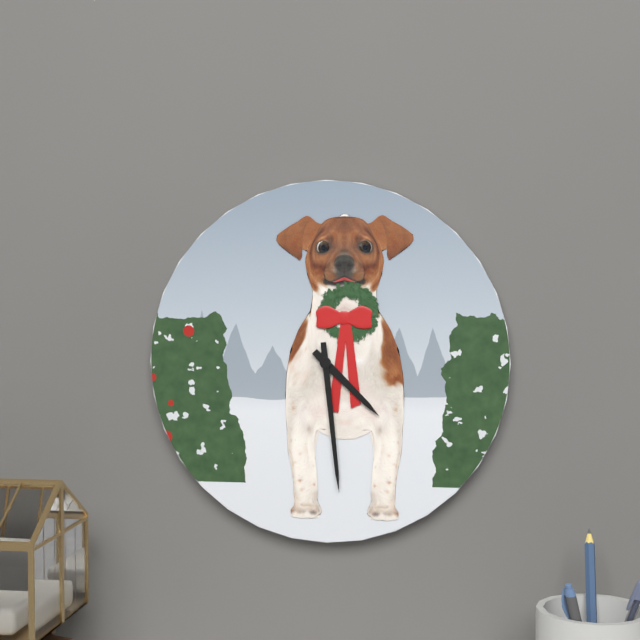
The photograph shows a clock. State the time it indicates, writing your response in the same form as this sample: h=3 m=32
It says h=4 m=29
